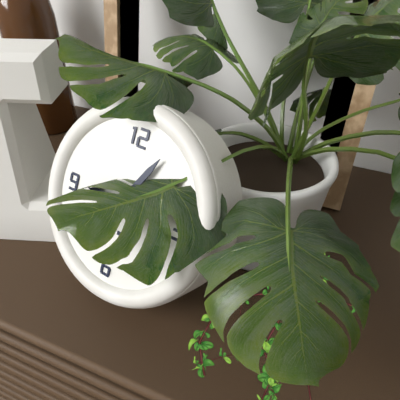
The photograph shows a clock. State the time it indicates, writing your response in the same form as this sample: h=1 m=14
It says h=9 m=5
